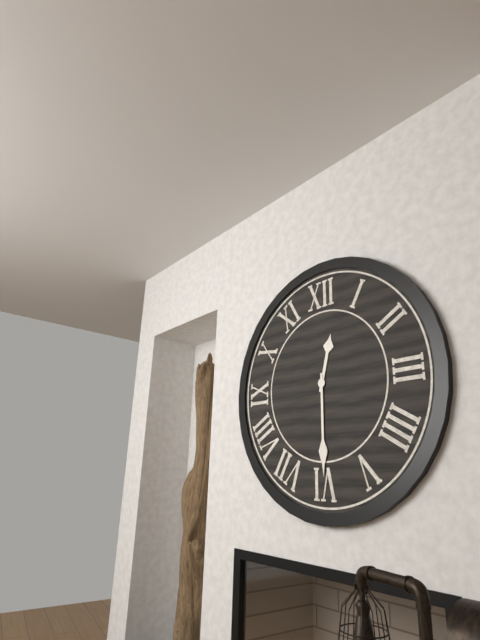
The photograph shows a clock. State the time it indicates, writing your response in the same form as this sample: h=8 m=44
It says h=12 m=30
